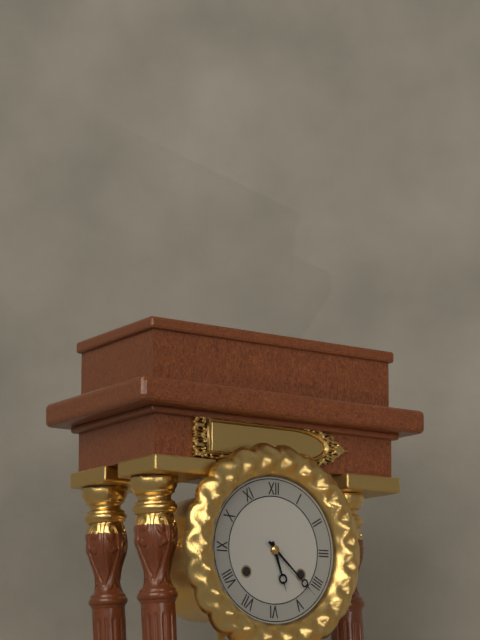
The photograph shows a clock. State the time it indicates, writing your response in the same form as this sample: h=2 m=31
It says h=5 m=22
